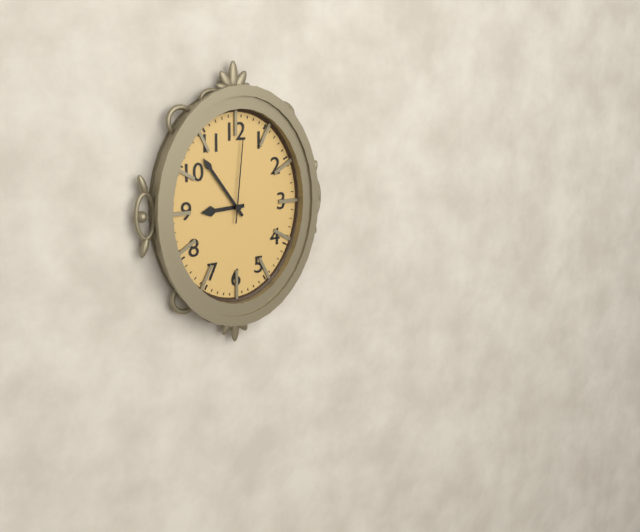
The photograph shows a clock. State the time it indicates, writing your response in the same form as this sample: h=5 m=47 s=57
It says h=8 m=54 s=1
